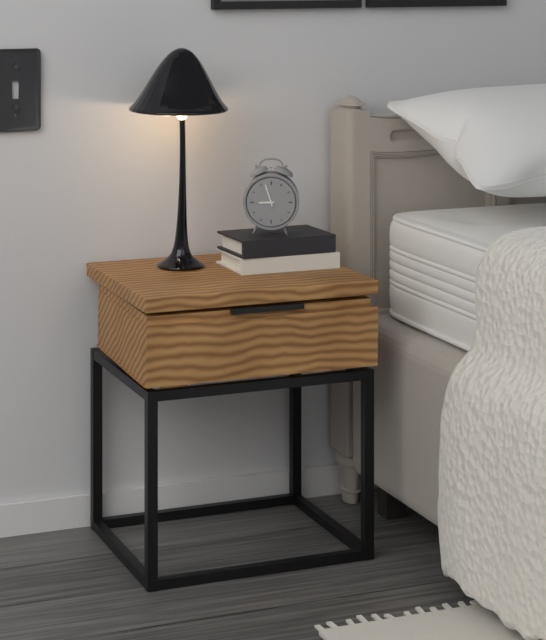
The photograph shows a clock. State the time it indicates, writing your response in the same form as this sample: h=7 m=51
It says h=8 m=57
